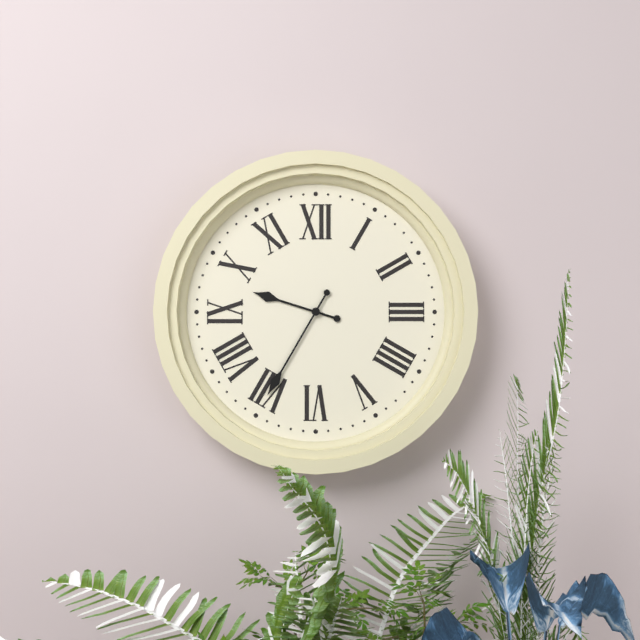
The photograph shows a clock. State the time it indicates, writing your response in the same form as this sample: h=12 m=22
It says h=9 m=35
